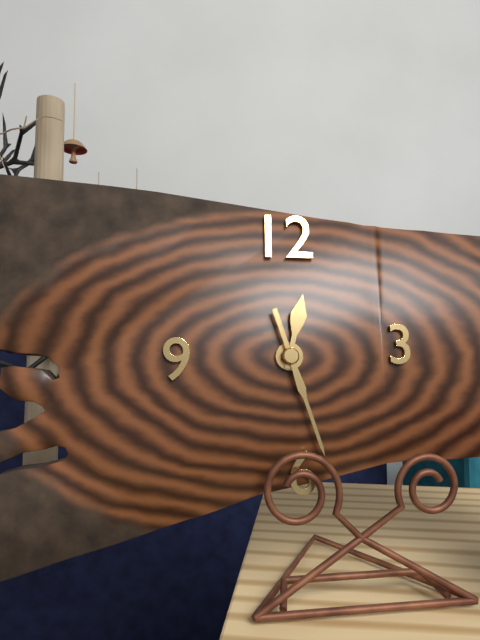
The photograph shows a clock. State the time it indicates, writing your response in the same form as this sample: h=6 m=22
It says h=12 m=27
